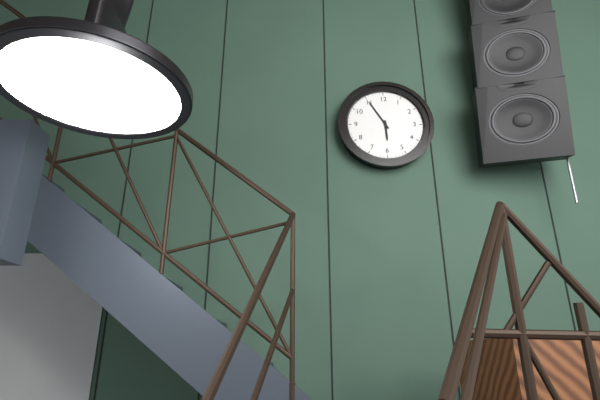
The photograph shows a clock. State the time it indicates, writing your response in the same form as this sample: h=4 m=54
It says h=5 m=55
